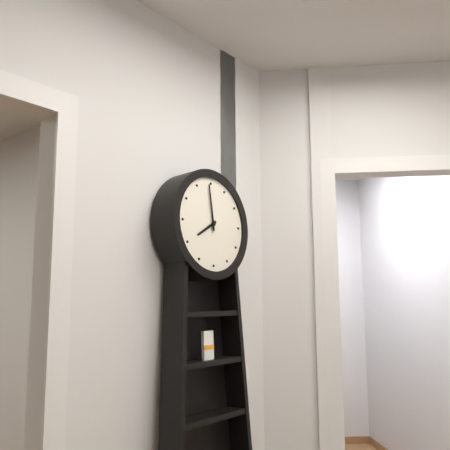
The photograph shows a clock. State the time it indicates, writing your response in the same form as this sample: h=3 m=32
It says h=7 m=59
